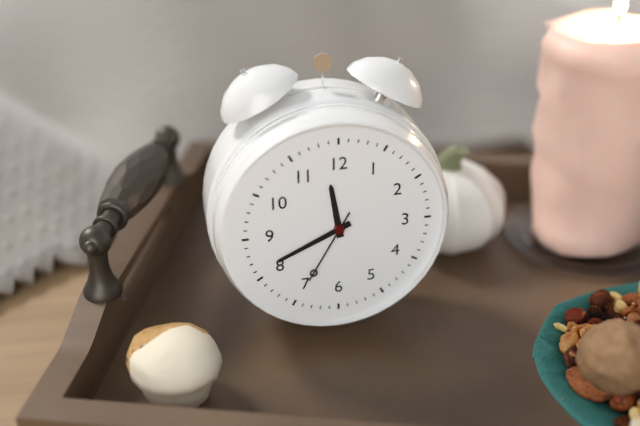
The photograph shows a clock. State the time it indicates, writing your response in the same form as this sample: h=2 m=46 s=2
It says h=11 m=41 s=35
